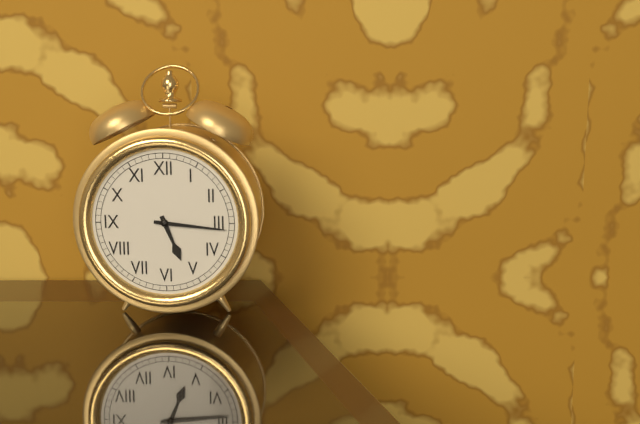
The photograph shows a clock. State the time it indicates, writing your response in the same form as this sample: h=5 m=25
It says h=5 m=16
